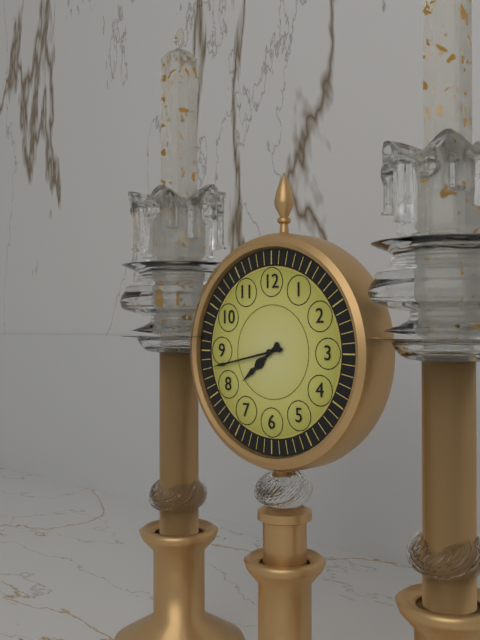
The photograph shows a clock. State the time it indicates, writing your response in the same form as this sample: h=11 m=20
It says h=7 m=43
